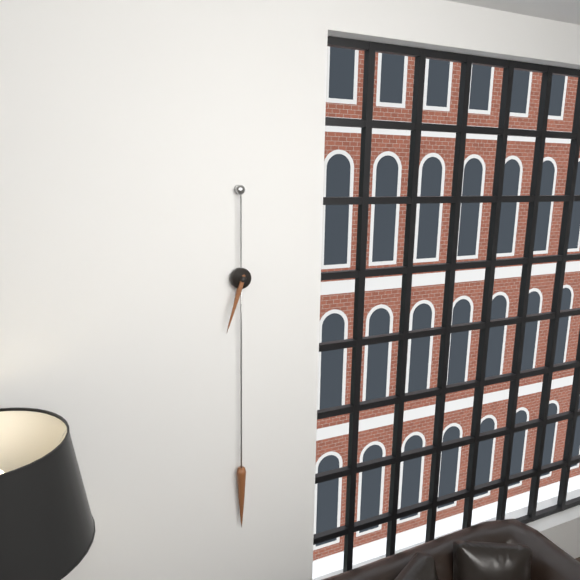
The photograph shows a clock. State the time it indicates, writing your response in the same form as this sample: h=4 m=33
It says h=6 m=33
